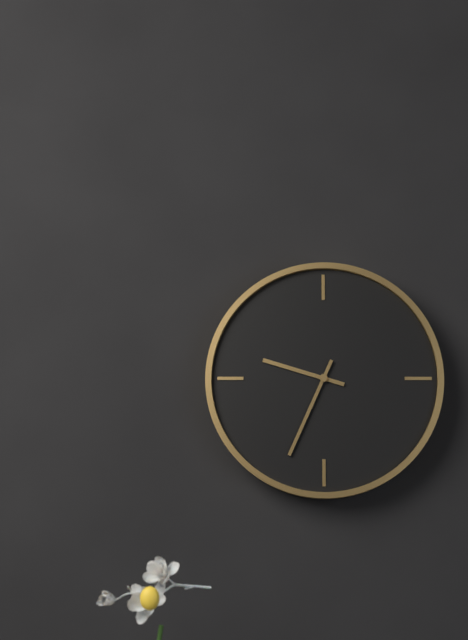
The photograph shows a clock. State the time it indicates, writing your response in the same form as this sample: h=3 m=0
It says h=9 m=34
